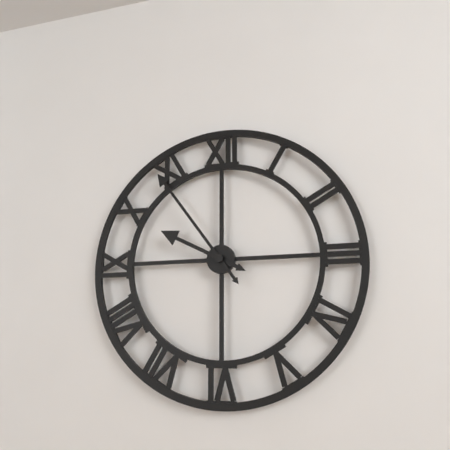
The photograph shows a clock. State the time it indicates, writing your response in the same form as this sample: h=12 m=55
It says h=9 m=54
